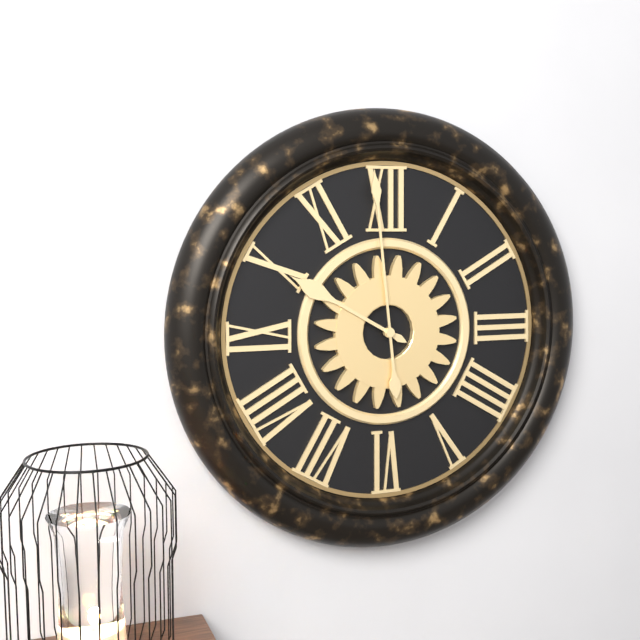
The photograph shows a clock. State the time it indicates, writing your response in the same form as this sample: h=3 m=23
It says h=9 m=59
